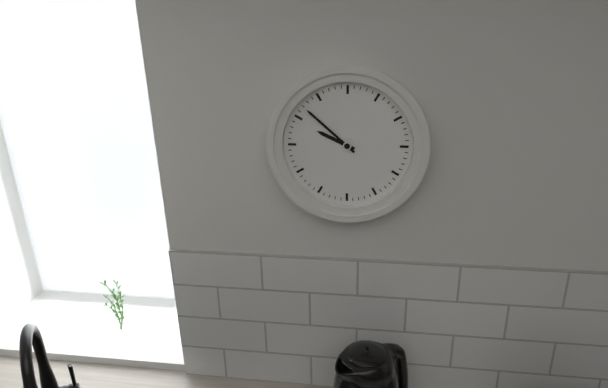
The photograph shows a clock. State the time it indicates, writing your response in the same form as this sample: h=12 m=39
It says h=9 m=52
